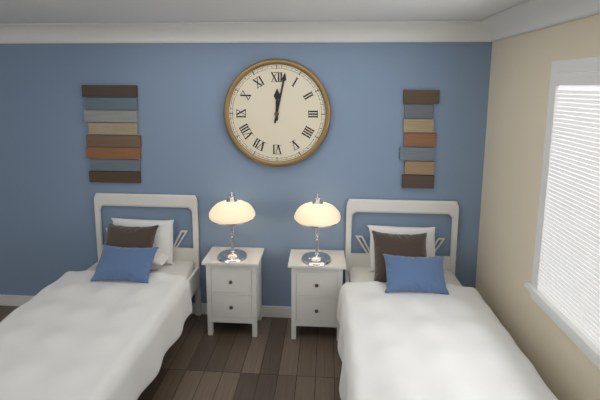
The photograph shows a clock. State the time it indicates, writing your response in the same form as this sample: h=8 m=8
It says h=12 m=2
